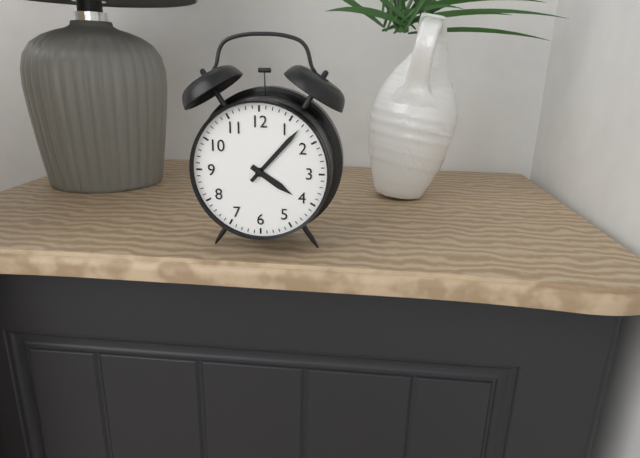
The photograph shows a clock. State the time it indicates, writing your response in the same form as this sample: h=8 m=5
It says h=4 m=7
